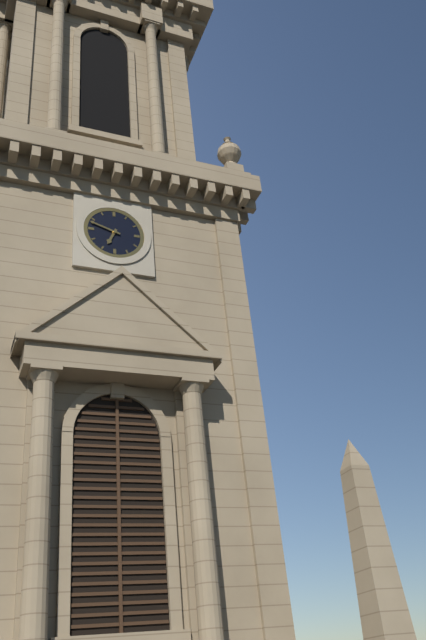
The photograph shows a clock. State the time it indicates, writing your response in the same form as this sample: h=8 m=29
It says h=6 m=48
